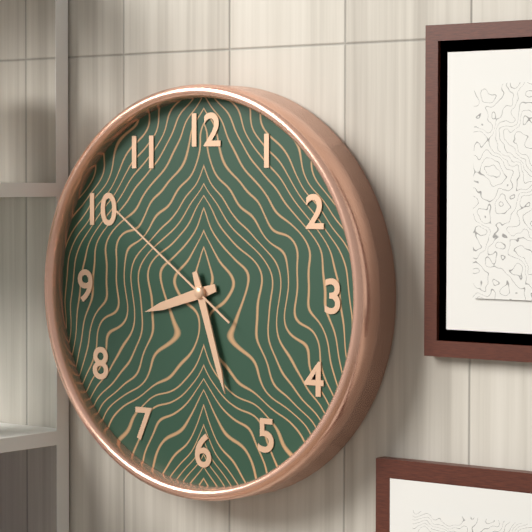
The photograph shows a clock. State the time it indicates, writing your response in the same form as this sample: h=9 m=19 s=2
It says h=8 m=27 s=51
